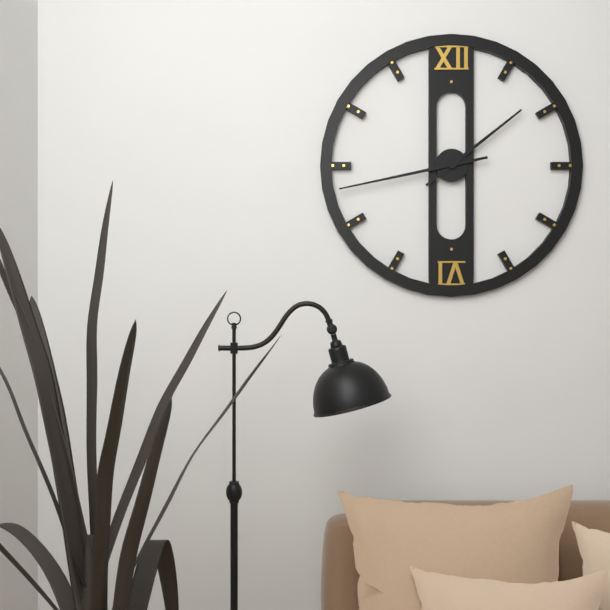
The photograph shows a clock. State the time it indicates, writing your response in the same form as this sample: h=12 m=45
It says h=1 m=43
